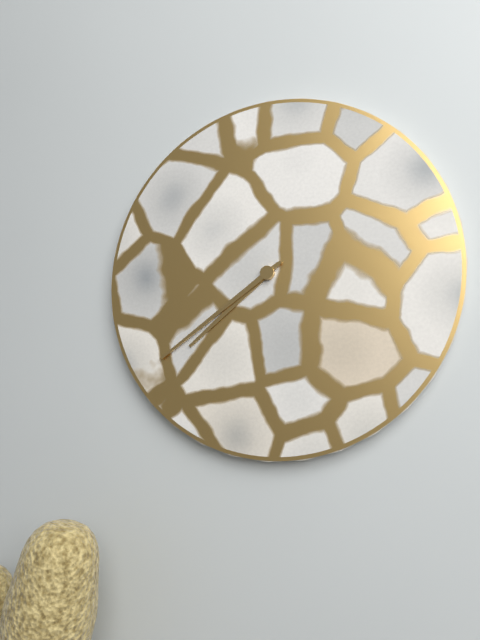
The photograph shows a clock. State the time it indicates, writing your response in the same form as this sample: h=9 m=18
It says h=7 m=39
